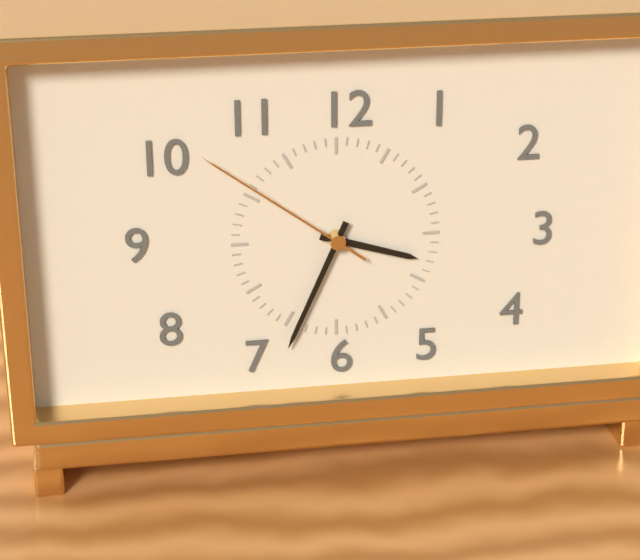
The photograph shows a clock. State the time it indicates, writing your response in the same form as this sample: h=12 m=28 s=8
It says h=3 m=34 s=51
